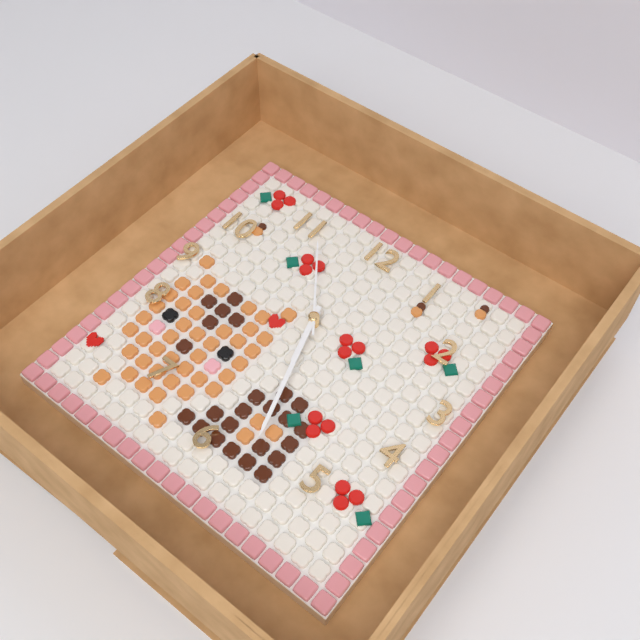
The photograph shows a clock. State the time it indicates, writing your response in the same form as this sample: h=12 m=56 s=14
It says h=5 m=27 s=54
